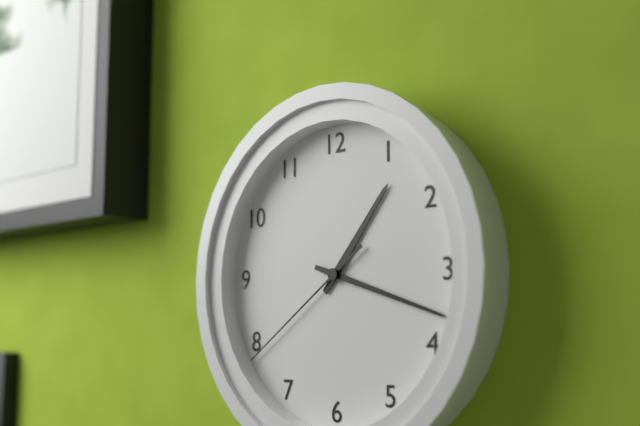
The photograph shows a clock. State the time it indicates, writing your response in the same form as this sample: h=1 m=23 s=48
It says h=1 m=18 s=39
